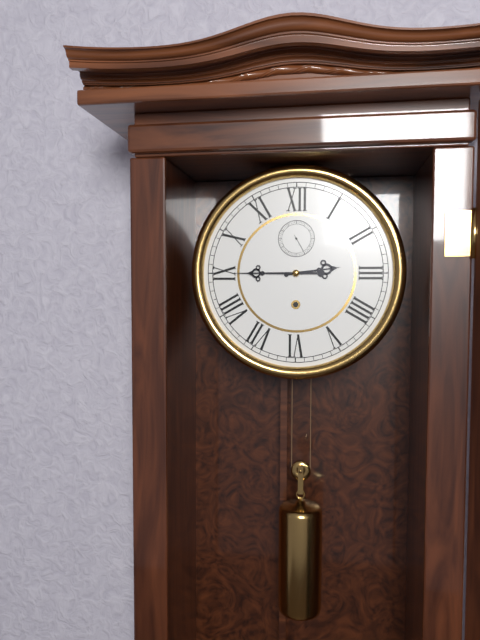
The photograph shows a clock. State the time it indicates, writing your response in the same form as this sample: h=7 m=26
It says h=2 m=45
